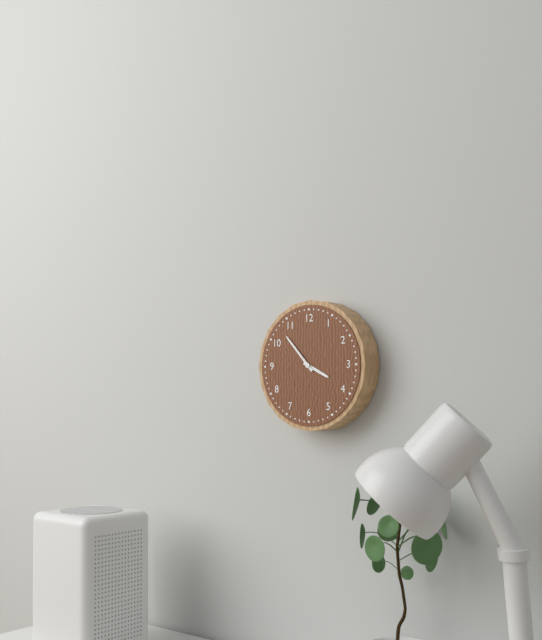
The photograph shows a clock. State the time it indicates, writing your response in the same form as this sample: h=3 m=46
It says h=3 m=53
